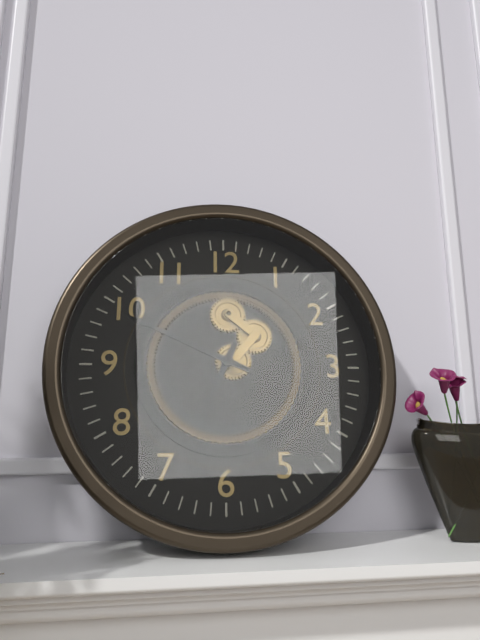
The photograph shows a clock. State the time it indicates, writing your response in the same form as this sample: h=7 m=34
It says h=6 m=49
